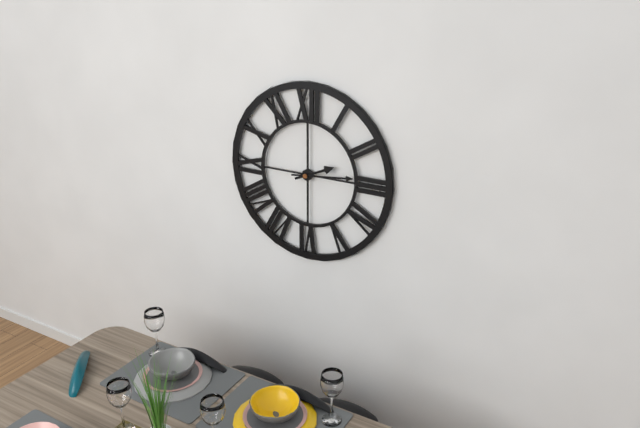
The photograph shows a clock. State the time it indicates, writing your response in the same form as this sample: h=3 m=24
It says h=2 m=14
